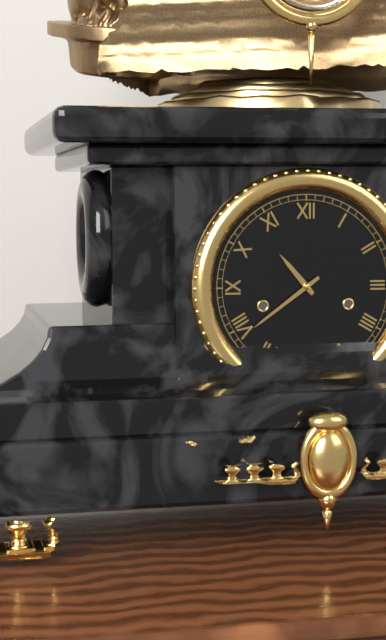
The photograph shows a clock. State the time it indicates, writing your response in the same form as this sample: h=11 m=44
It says h=10 m=39
